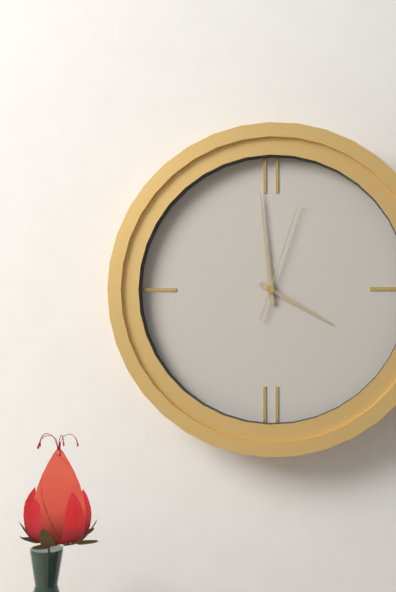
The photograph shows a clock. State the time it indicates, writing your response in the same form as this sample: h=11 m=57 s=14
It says h=3 m=59 s=3
